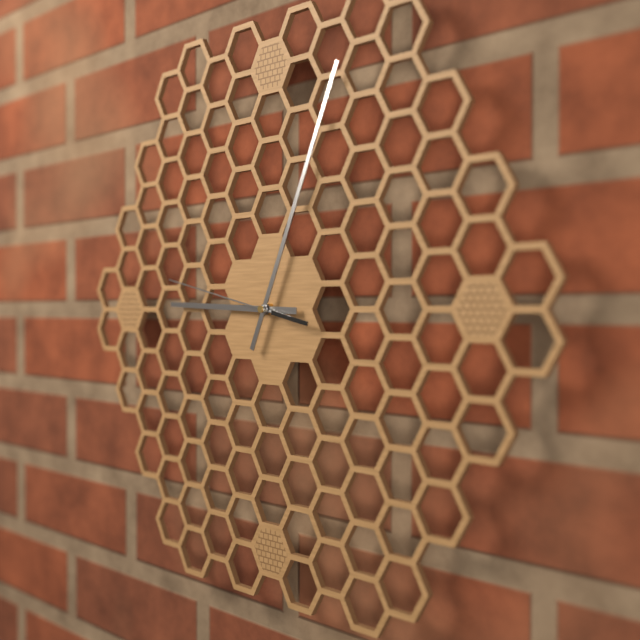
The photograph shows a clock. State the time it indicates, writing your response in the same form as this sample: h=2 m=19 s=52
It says h=9 m=4 s=47
